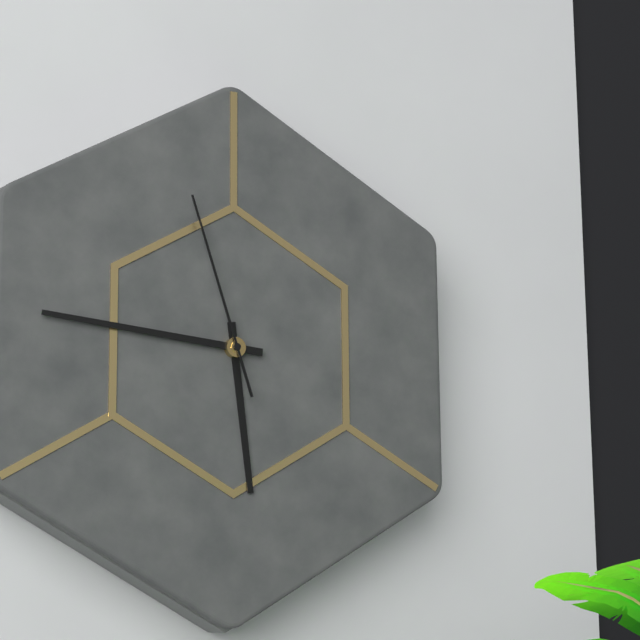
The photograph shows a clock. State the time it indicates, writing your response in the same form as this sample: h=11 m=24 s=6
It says h=5 m=46 s=57
